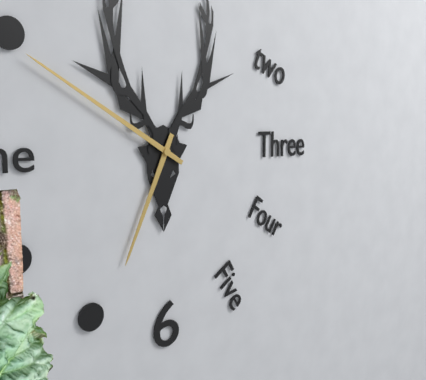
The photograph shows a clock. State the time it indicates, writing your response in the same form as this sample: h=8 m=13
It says h=6 m=50
